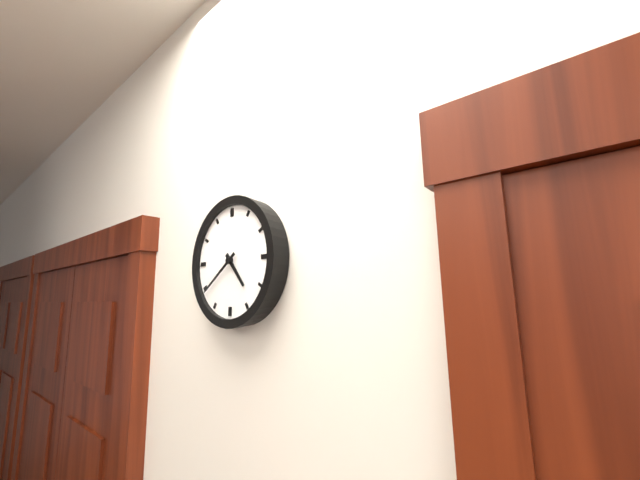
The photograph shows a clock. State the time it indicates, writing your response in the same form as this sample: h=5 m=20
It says h=4 m=39
